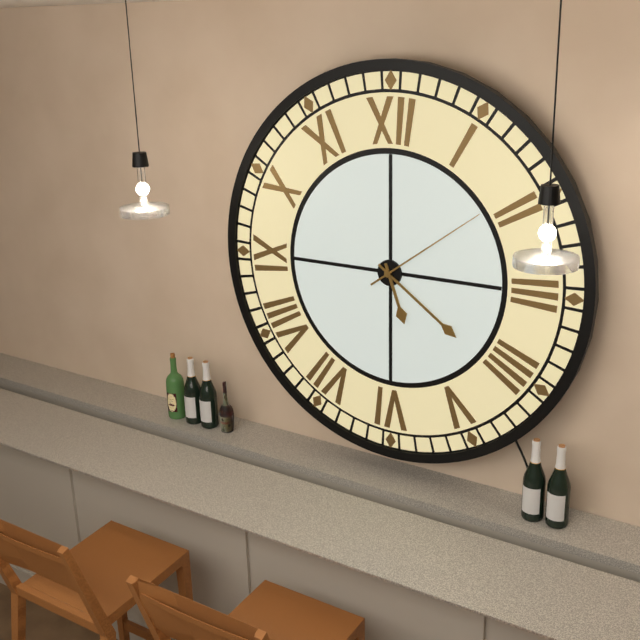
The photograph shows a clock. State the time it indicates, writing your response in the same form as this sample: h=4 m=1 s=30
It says h=5 m=21 s=9
